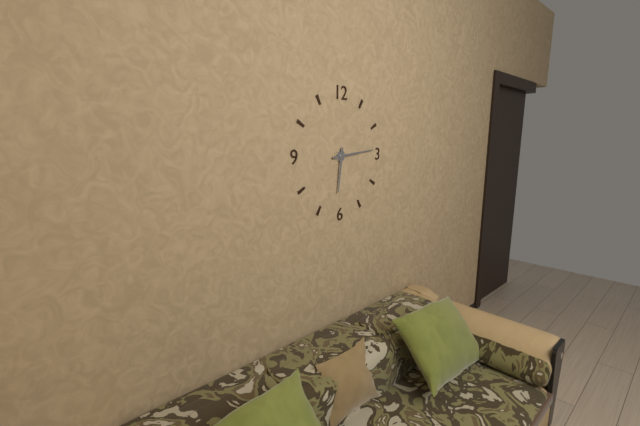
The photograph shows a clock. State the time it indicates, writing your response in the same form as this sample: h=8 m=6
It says h=6 m=14
